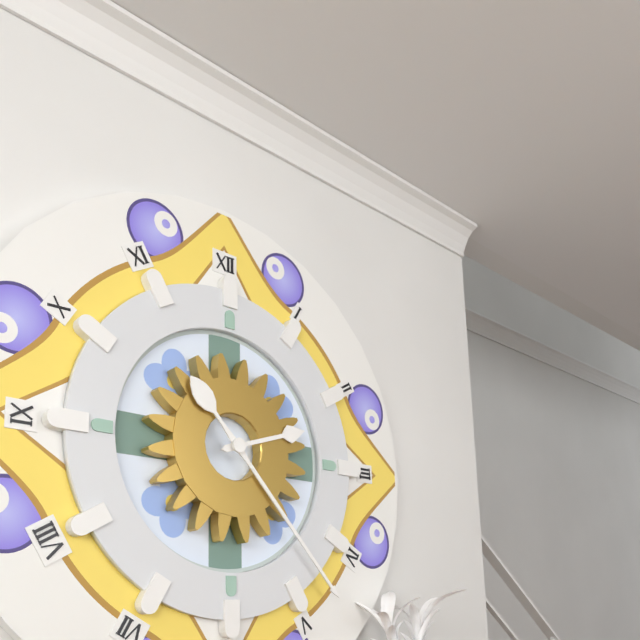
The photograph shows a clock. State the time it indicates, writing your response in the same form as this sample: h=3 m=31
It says h=2 m=23
